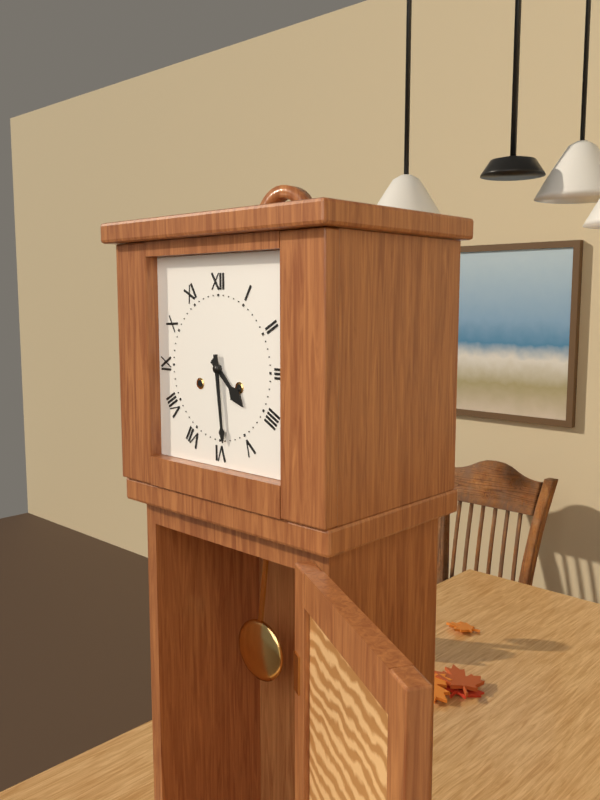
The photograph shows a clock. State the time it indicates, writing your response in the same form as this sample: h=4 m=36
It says h=4 m=29
